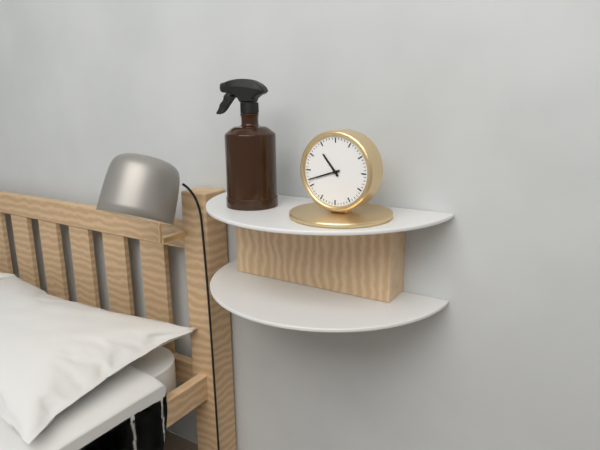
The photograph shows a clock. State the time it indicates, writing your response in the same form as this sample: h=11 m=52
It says h=10 m=42
